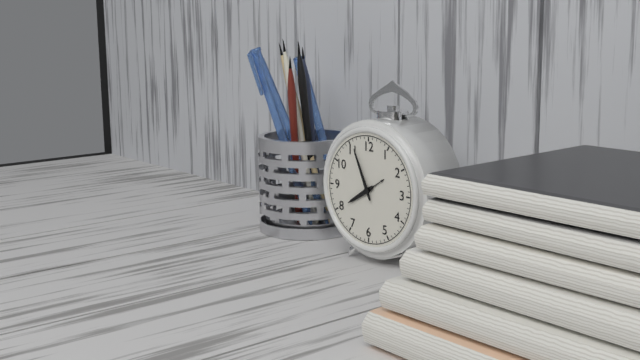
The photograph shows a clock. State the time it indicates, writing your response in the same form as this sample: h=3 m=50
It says h=7 m=56
